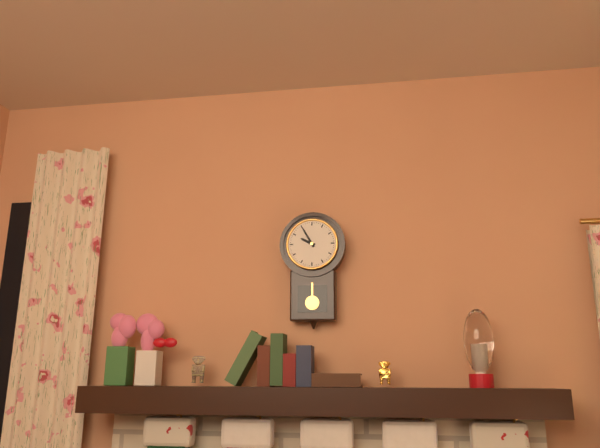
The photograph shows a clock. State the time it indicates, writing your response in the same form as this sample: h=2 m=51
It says h=9 m=55
